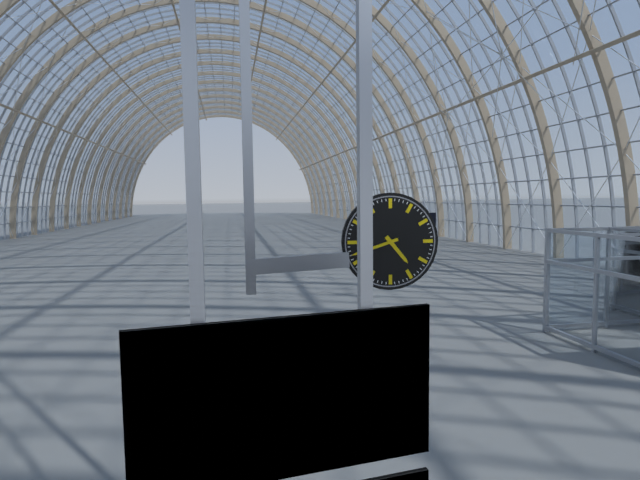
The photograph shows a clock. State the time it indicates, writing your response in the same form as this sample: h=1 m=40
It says h=4 m=42
